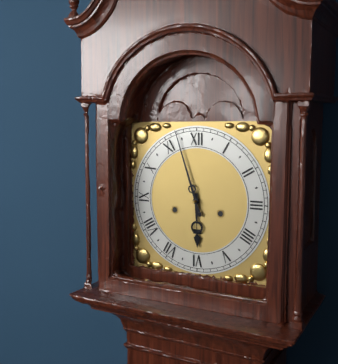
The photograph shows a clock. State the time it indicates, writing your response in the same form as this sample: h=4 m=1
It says h=5 m=57
